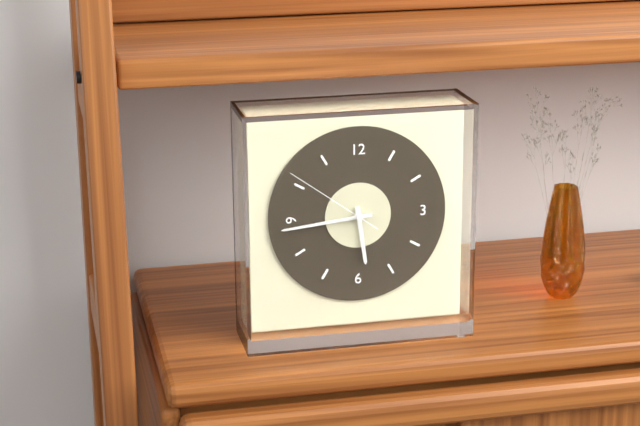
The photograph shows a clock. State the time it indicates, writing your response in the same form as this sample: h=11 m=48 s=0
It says h=5 m=44 s=51
